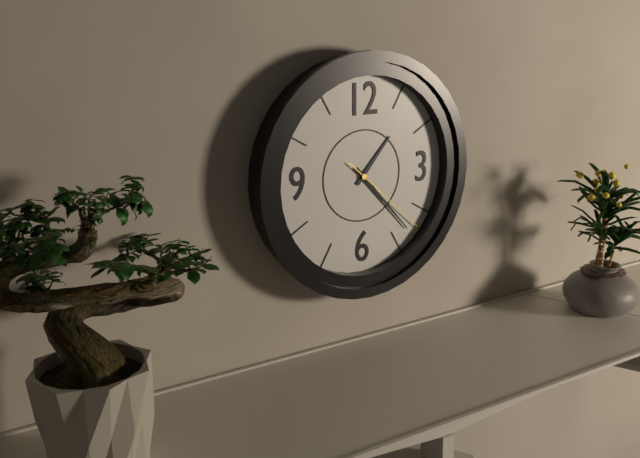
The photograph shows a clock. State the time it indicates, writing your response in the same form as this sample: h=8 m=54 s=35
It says h=1 m=23 s=22
